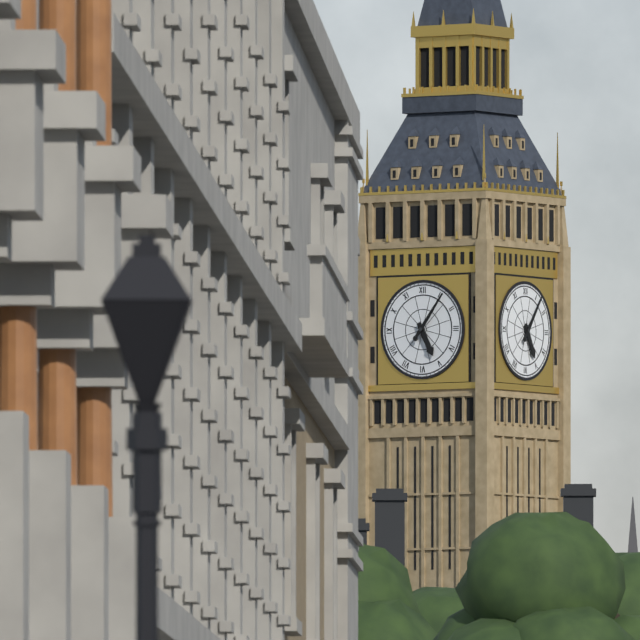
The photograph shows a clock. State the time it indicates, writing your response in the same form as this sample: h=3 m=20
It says h=5 m=6
